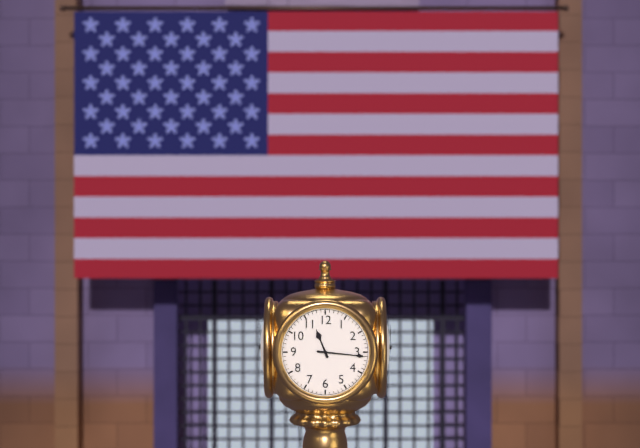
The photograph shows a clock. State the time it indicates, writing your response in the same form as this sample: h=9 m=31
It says h=11 m=16
